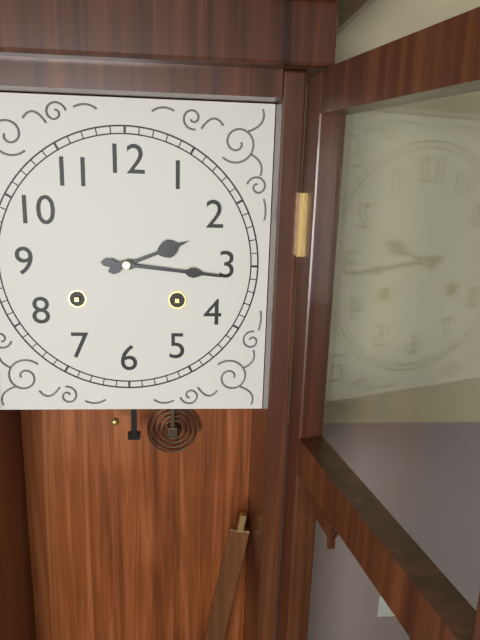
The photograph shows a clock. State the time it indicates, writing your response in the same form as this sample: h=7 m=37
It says h=2 m=16
